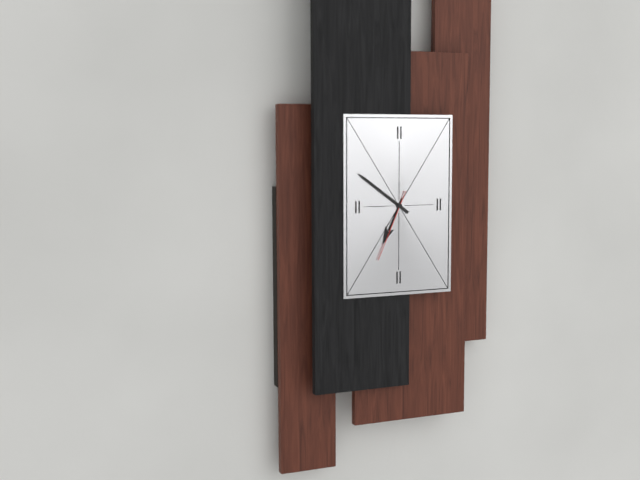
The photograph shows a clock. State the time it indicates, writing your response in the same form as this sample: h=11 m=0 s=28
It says h=6 m=51 s=34
